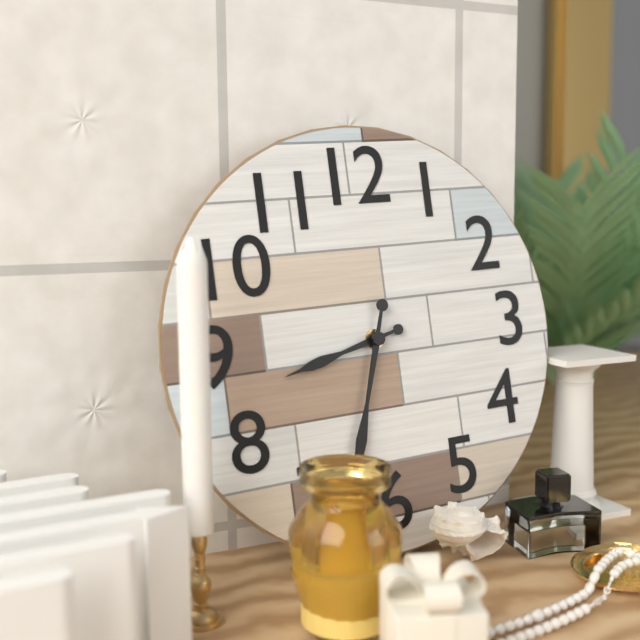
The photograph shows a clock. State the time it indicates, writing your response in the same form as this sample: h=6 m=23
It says h=8 m=33
